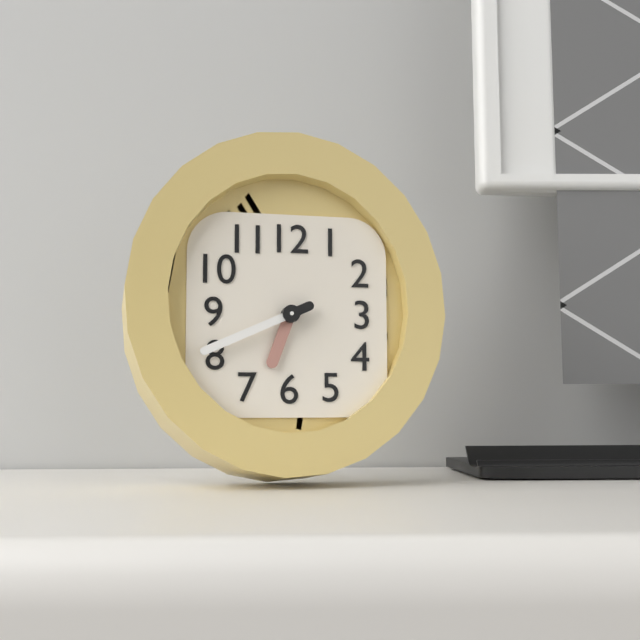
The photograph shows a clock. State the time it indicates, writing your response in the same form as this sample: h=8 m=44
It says h=6 m=41
